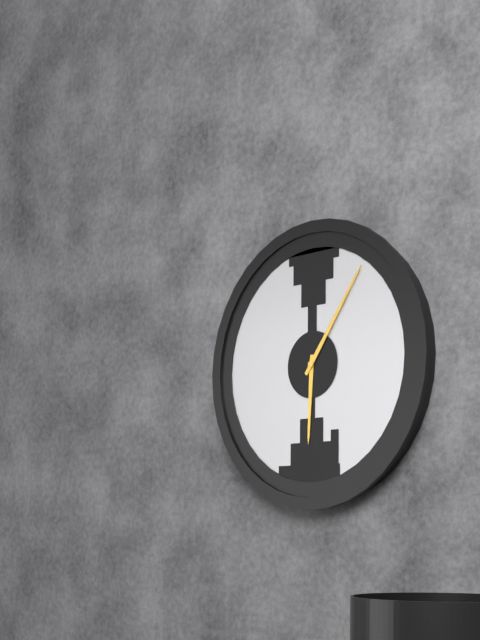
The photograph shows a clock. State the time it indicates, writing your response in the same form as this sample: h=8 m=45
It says h=6 m=6
